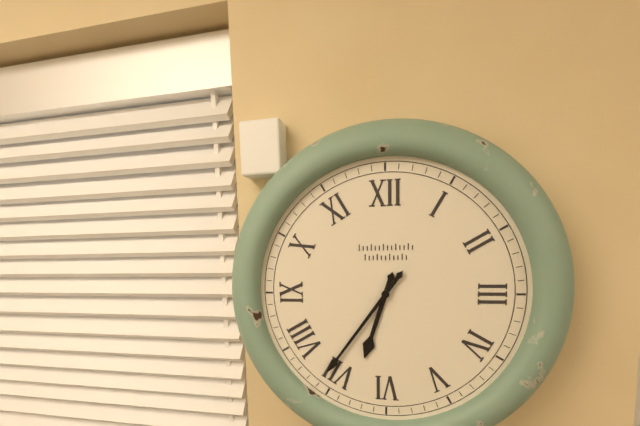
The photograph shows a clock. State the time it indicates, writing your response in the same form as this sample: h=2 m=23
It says h=6 m=36
